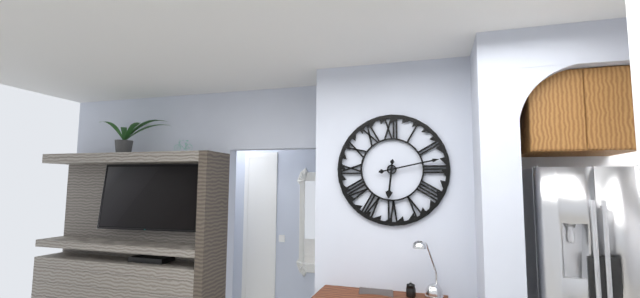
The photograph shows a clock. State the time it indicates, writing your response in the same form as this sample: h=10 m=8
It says h=6 m=13
